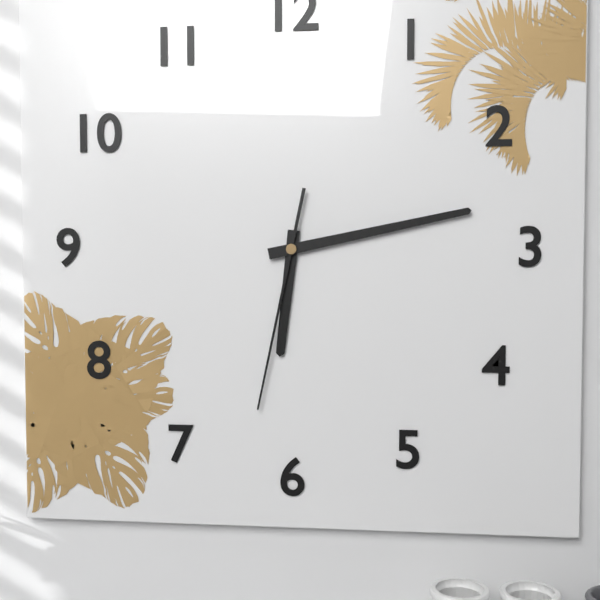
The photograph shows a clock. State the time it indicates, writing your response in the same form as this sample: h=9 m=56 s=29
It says h=6 m=13 s=32
